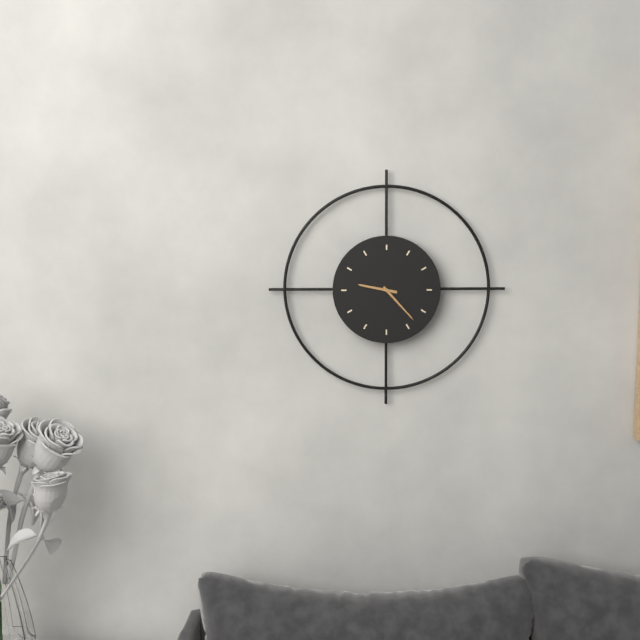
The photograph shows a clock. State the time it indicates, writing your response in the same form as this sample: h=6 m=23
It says h=9 m=23
